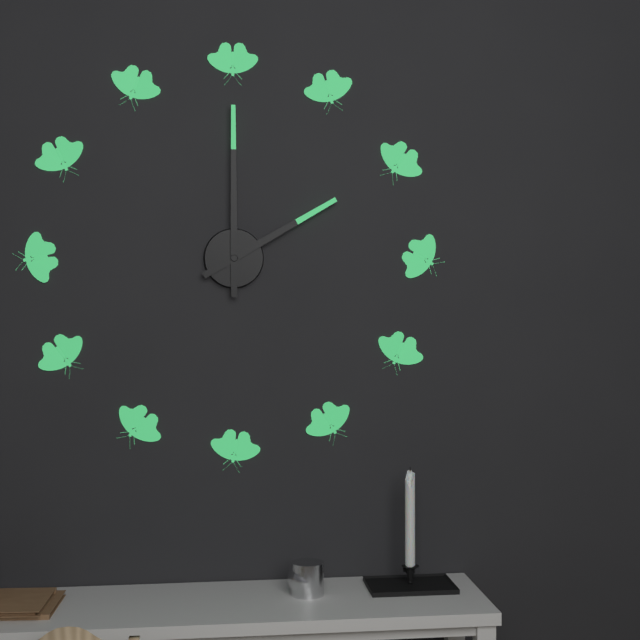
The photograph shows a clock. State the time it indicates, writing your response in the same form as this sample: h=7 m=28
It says h=2 m=0
